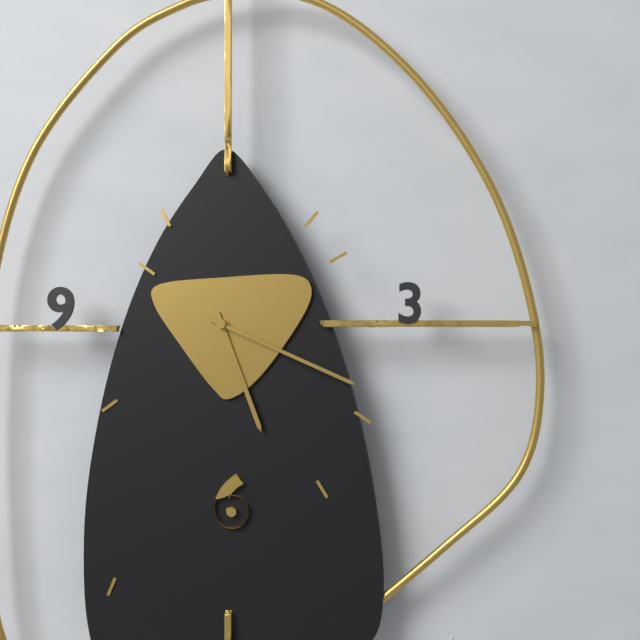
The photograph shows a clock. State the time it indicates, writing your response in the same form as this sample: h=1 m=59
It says h=5 m=19
